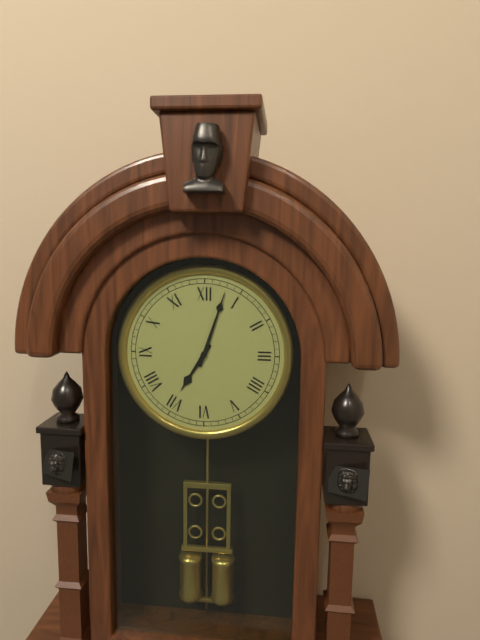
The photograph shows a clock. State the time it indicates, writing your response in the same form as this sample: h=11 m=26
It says h=7 m=3
